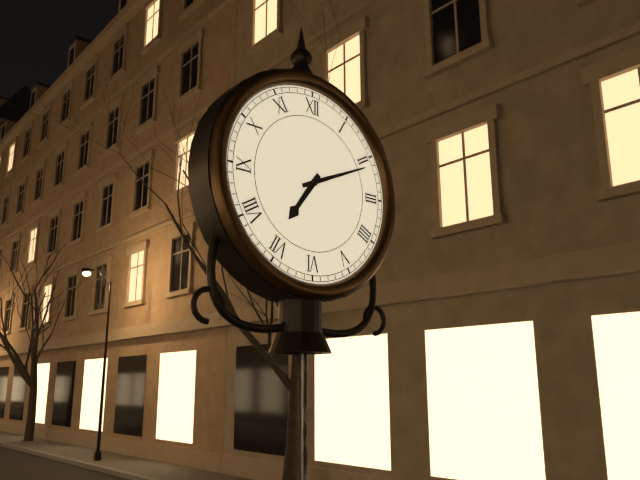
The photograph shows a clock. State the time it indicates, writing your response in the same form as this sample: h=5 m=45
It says h=7 m=11
